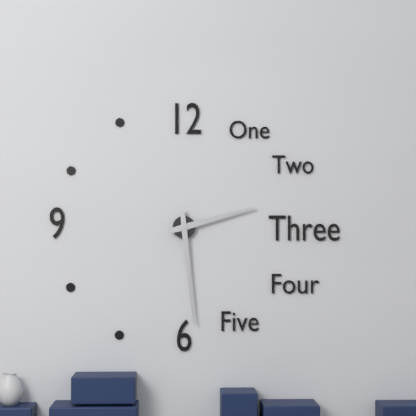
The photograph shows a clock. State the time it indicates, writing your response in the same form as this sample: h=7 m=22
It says h=2 m=29
